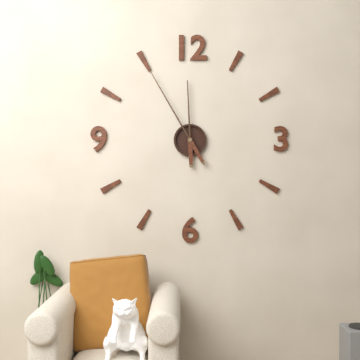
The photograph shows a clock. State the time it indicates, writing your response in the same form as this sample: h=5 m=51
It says h=11 m=55
